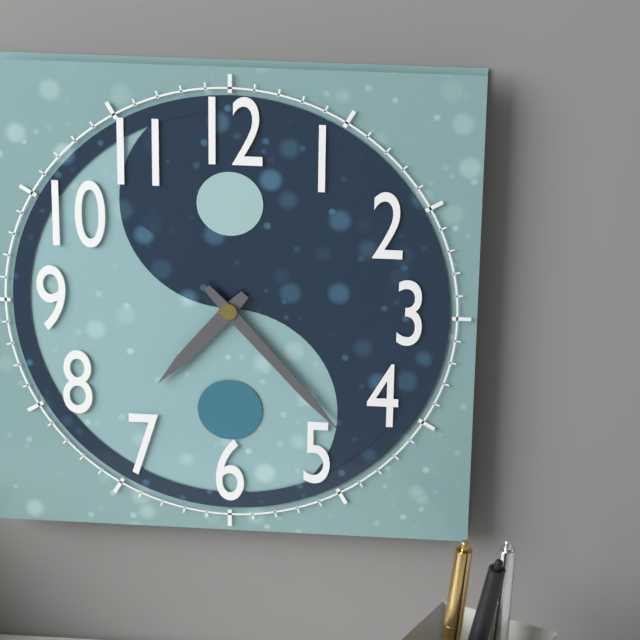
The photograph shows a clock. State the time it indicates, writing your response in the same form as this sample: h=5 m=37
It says h=7 m=23
